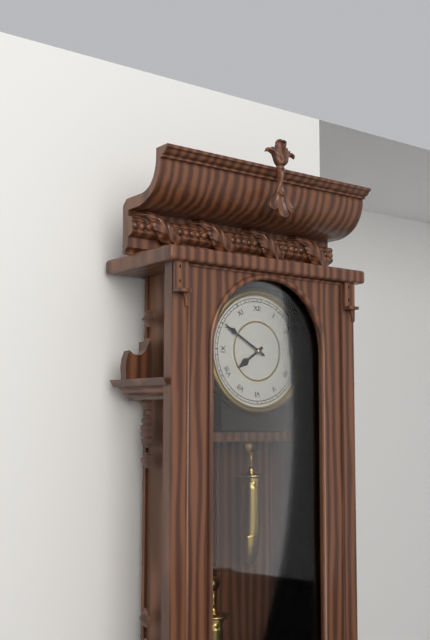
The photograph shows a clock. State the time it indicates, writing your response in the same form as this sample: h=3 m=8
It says h=7 m=50
